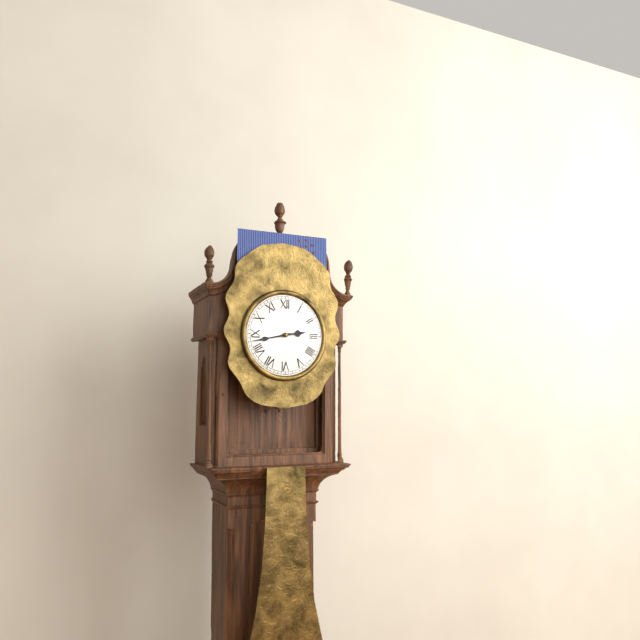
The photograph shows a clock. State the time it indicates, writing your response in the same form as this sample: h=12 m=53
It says h=2 m=43
